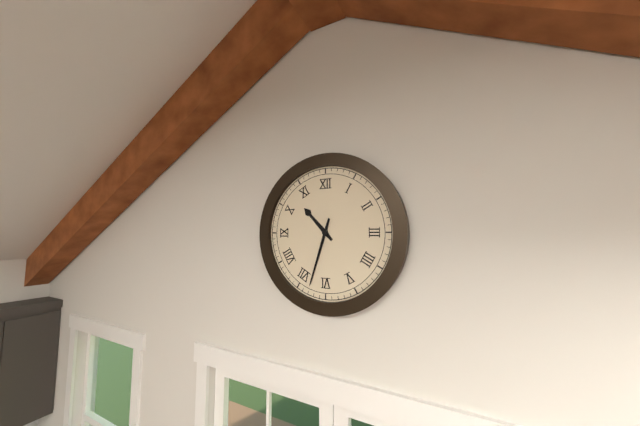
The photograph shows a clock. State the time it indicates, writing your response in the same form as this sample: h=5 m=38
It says h=10 m=33
